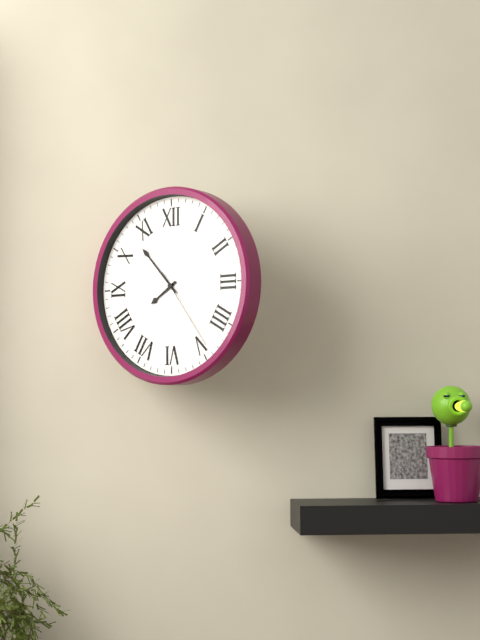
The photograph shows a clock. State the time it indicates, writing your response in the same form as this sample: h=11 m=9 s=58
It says h=7 m=53 s=24
